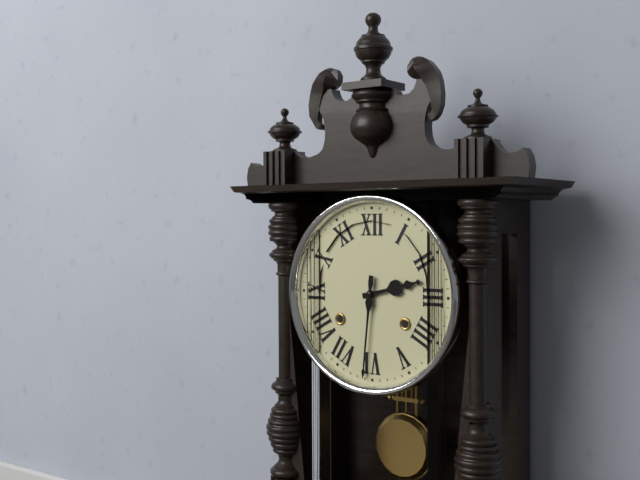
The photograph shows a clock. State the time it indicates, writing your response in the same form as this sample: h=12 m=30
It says h=2 m=31
